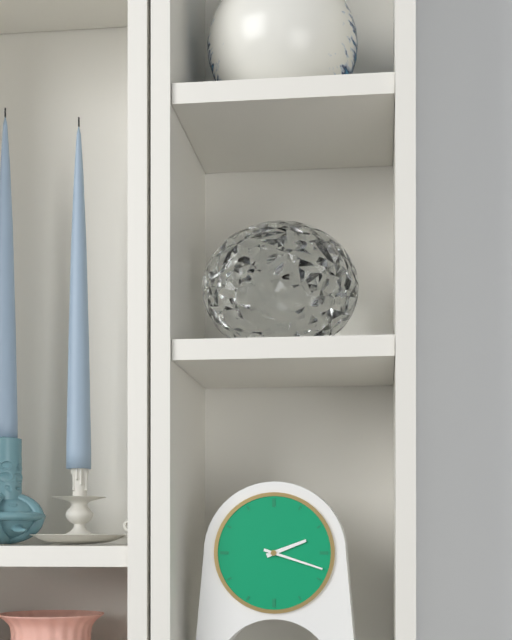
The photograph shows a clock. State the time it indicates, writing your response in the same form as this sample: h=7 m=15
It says h=2 m=18
